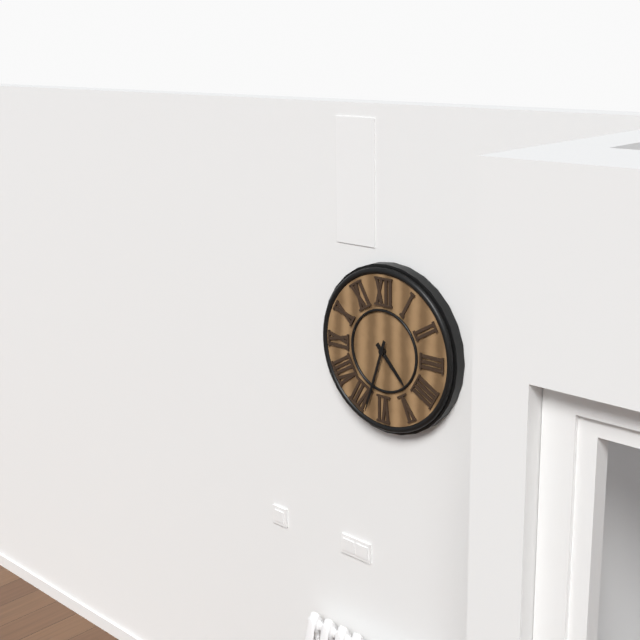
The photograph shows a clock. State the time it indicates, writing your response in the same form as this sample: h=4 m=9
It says h=4 m=33
